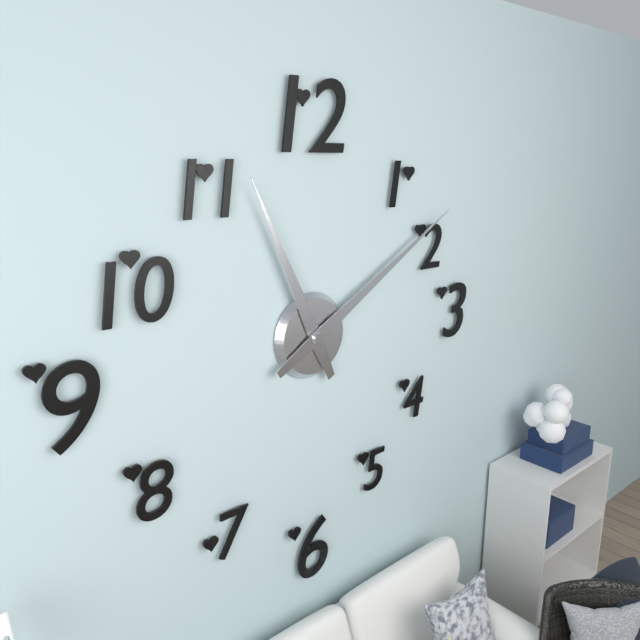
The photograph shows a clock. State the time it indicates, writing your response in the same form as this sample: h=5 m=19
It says h=11 m=10
